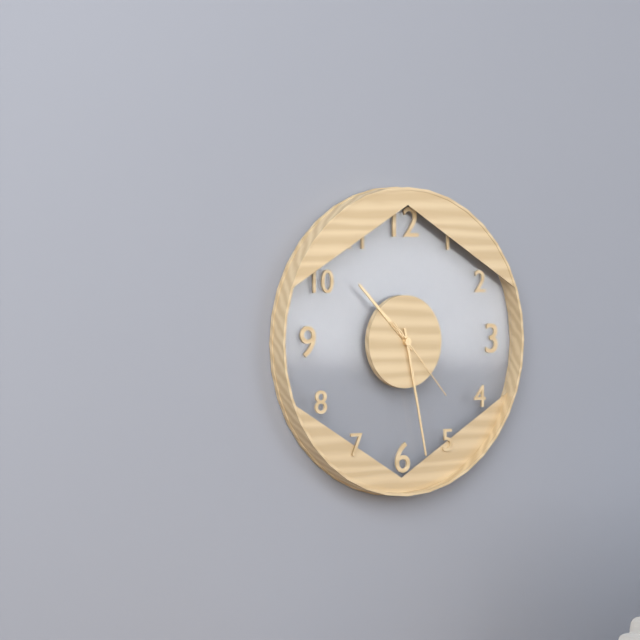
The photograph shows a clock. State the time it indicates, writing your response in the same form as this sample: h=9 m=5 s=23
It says h=10 m=28 s=23
